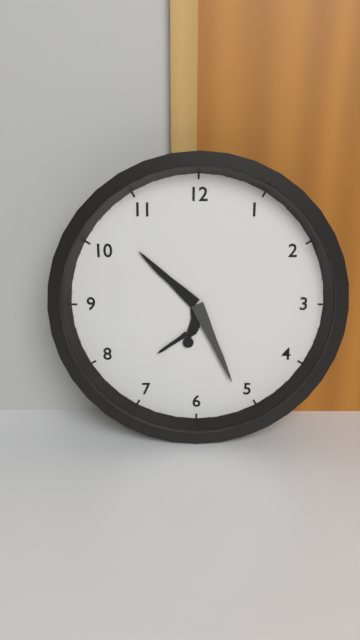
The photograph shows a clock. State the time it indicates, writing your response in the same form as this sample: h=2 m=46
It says h=10 m=26
